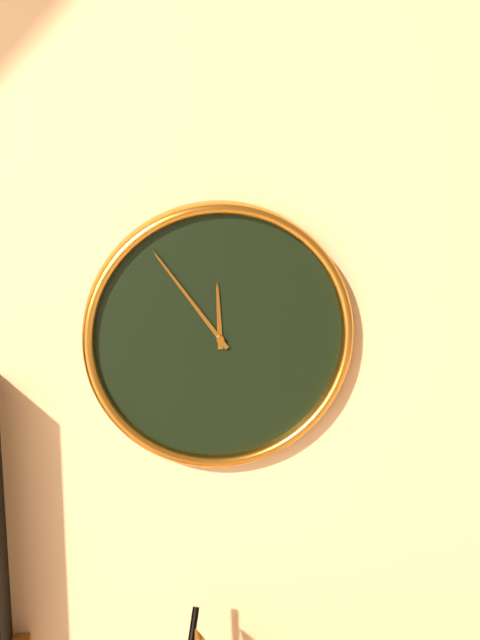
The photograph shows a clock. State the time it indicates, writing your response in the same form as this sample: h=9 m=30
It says h=11 m=54
